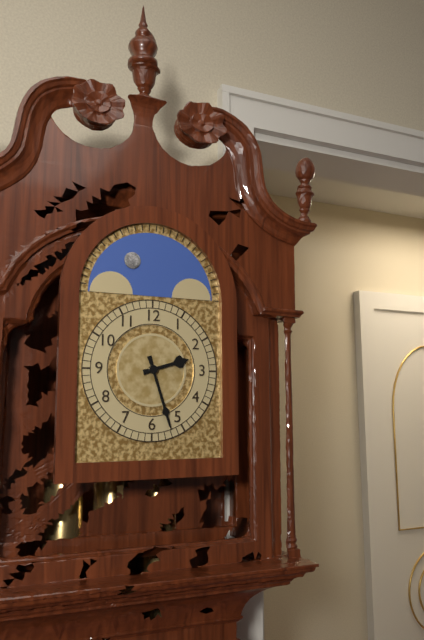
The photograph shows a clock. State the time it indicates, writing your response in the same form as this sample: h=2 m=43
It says h=2 m=27
